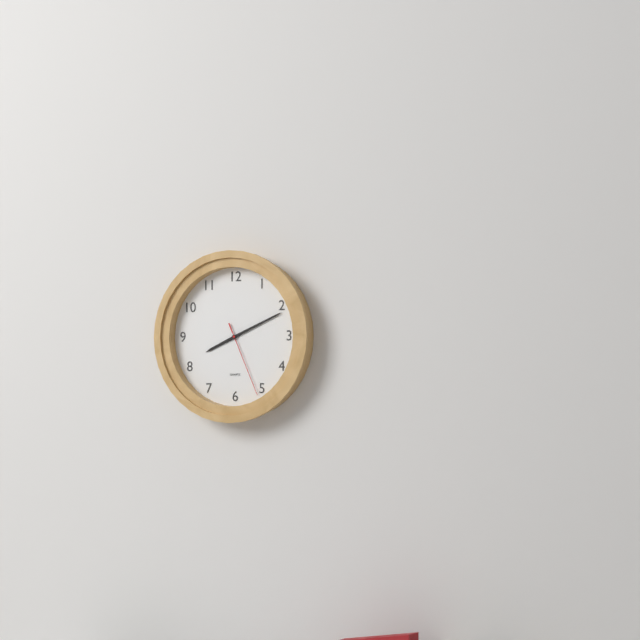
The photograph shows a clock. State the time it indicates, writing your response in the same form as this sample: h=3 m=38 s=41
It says h=8 m=11 s=26
